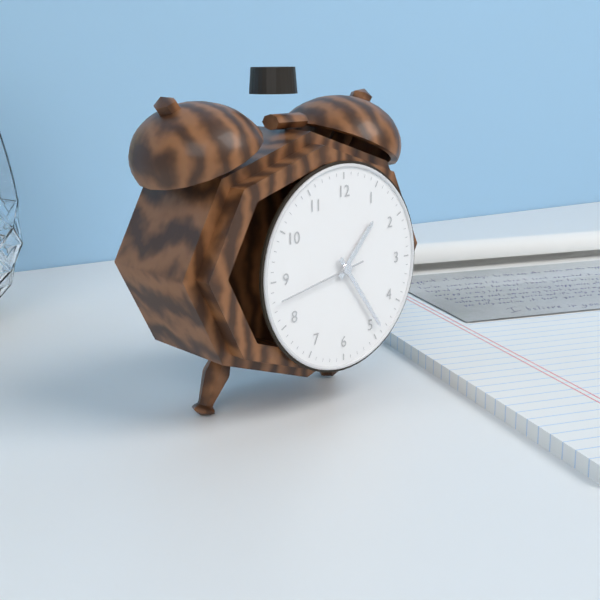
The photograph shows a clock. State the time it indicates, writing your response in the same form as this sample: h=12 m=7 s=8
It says h=1 m=24 s=43
